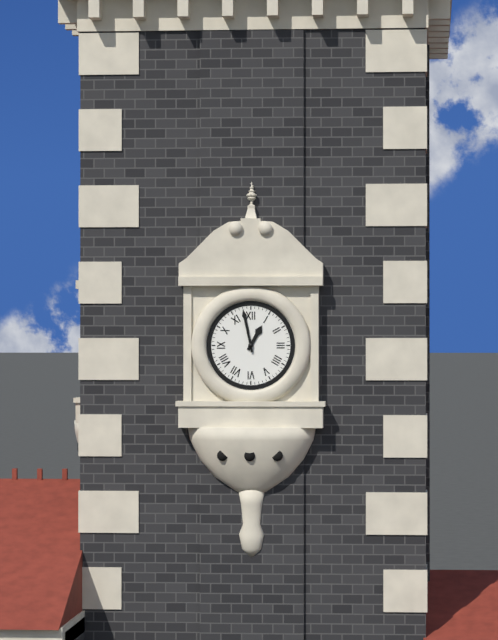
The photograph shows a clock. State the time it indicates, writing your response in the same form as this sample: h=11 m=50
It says h=12 m=58
